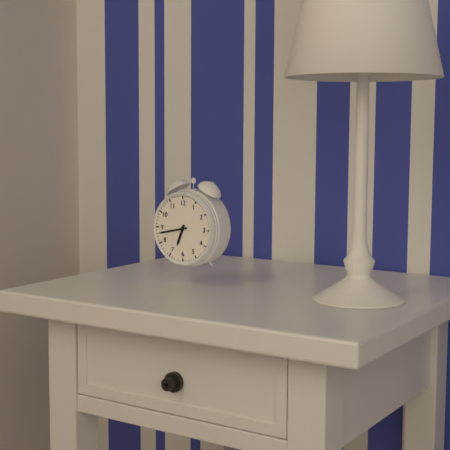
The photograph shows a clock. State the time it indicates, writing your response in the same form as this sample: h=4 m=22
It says h=6 m=43
